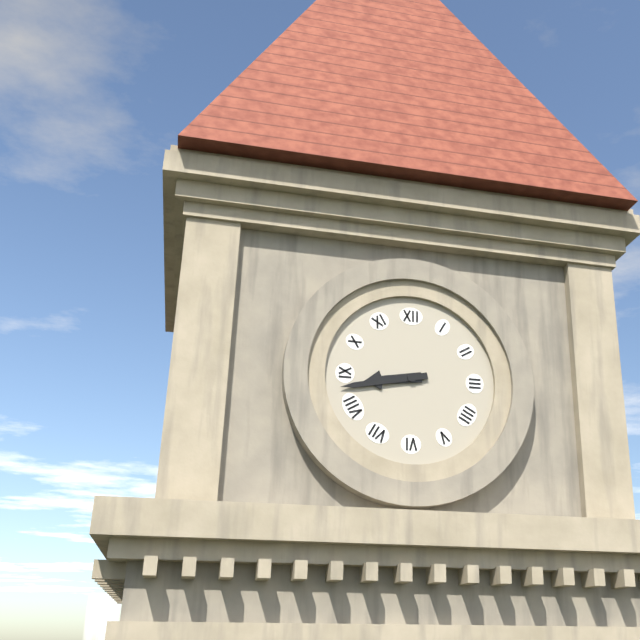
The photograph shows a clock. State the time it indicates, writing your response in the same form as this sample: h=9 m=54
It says h=8 m=43
